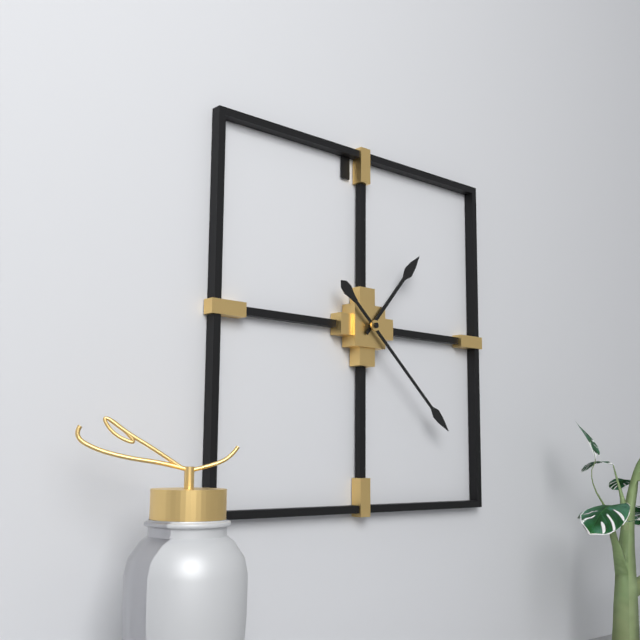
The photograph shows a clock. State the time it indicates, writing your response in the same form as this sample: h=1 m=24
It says h=1 m=22
